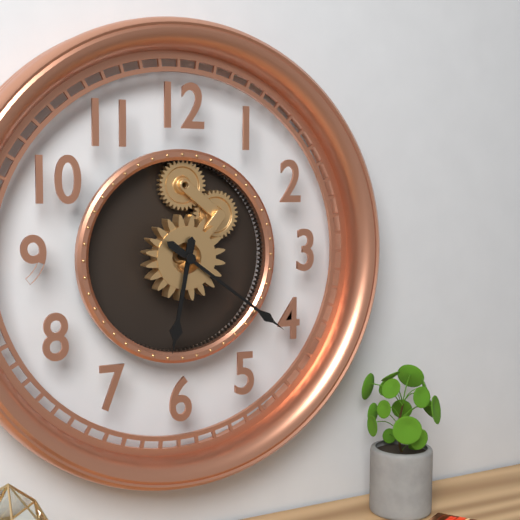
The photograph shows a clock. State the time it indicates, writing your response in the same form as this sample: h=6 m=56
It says h=6 m=21
